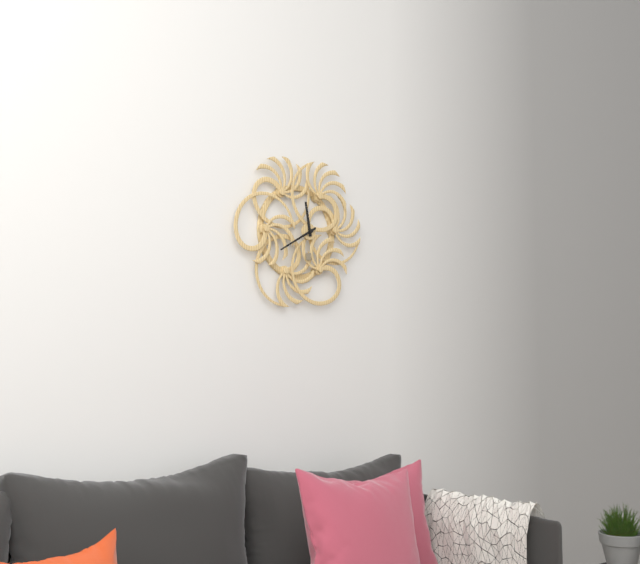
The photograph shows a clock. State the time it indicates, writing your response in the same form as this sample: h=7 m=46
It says h=11 m=40
